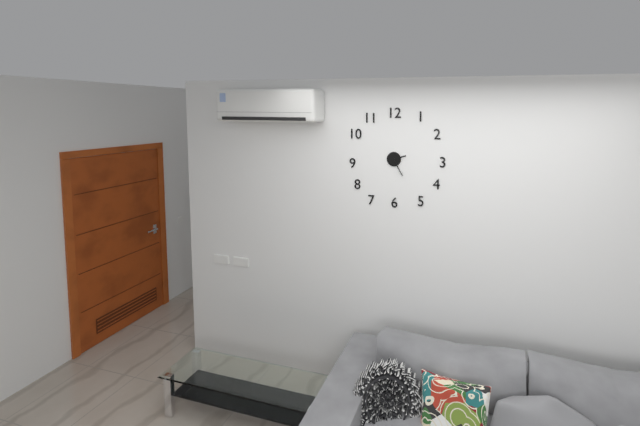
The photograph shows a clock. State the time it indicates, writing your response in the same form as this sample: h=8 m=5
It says h=2 m=25
